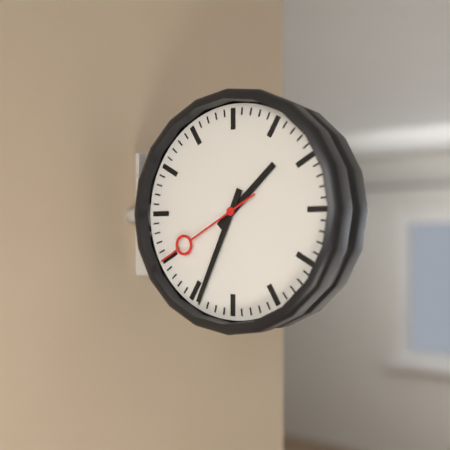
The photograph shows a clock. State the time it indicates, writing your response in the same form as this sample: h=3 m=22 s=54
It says h=1 m=34 s=40
